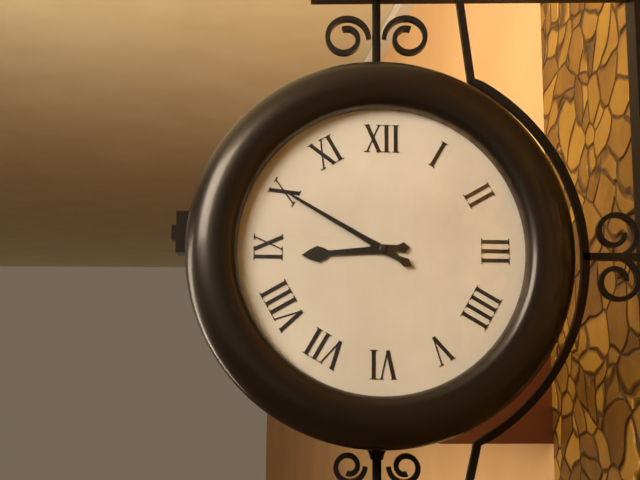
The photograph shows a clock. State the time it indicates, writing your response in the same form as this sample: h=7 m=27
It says h=8 m=50
